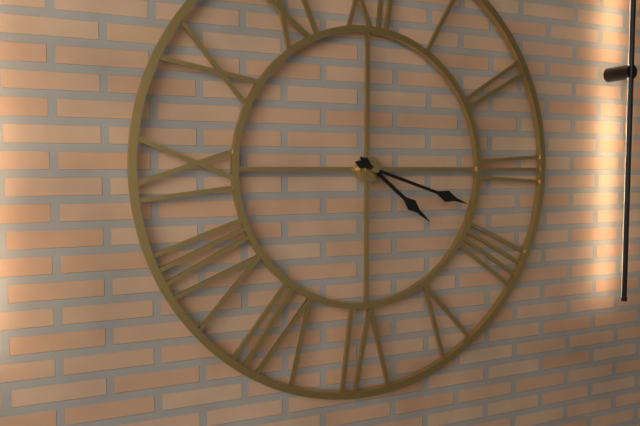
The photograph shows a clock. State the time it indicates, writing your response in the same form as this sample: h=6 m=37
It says h=4 m=18
